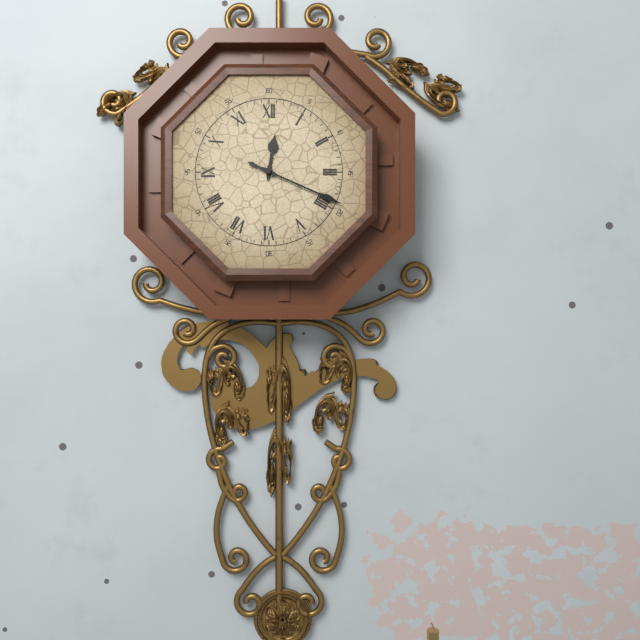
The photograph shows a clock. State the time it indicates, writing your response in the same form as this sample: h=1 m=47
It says h=12 m=19
